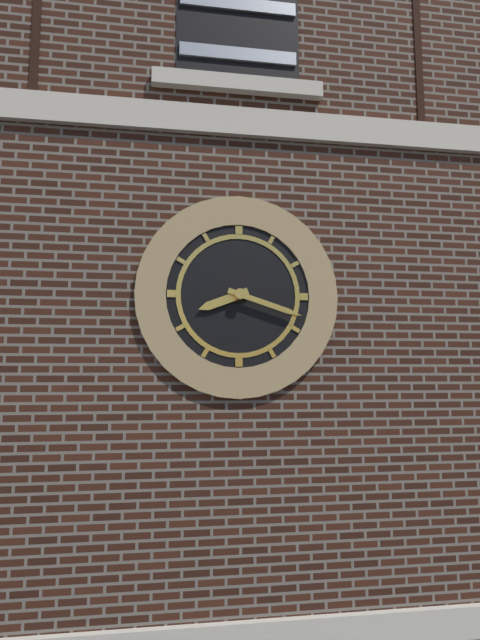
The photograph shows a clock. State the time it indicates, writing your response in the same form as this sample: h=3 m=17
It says h=8 m=18
